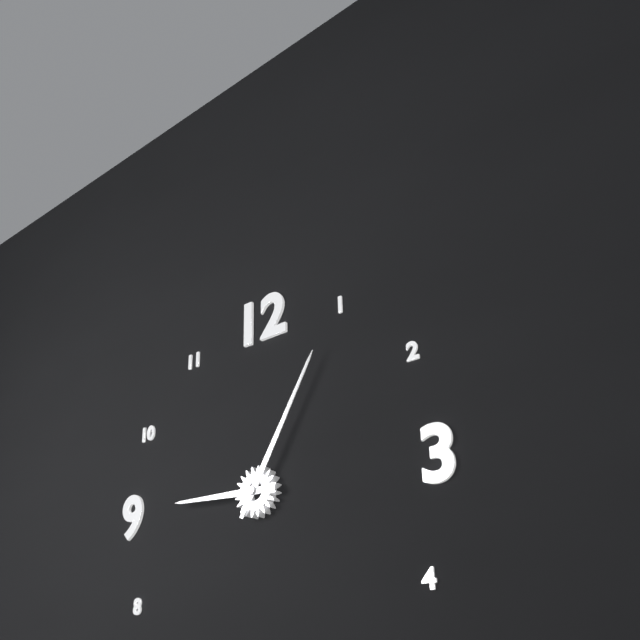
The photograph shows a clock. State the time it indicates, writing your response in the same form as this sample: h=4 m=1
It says h=9 m=5
